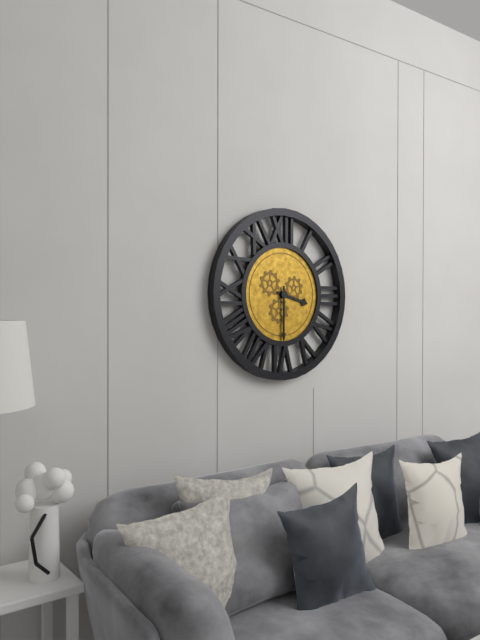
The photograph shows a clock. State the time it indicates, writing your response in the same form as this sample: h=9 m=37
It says h=3 m=30
